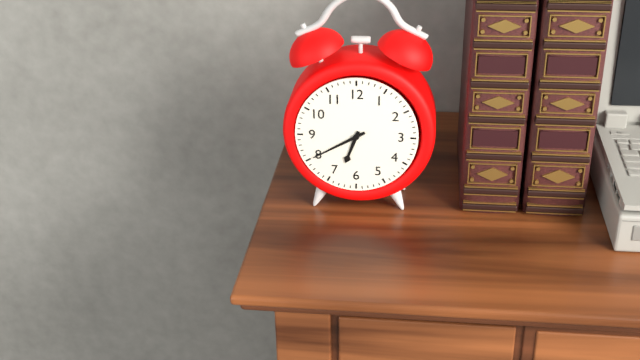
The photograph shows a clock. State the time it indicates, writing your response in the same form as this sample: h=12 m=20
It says h=6 m=40
